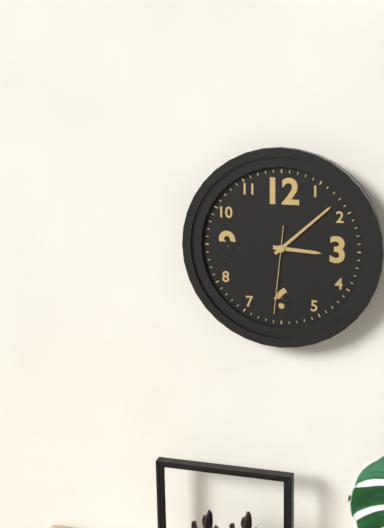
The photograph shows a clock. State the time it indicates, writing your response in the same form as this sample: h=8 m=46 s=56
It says h=3 m=8 s=31
